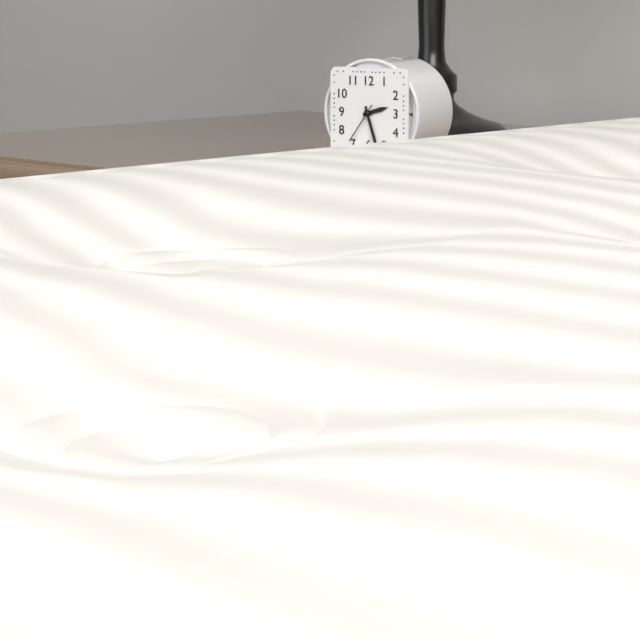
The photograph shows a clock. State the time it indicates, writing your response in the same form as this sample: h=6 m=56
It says h=2 m=27
